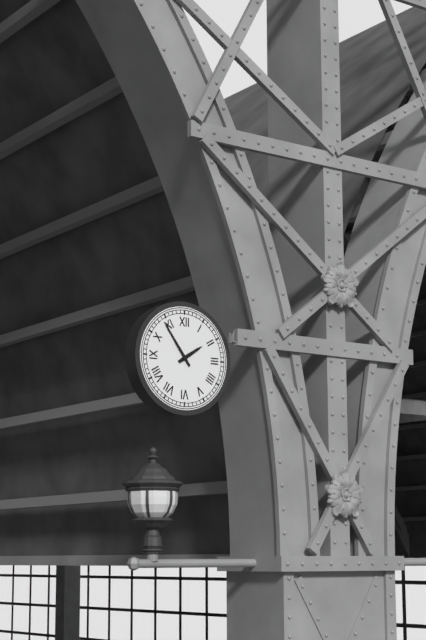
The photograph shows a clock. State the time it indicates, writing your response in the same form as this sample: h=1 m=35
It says h=1 m=54
